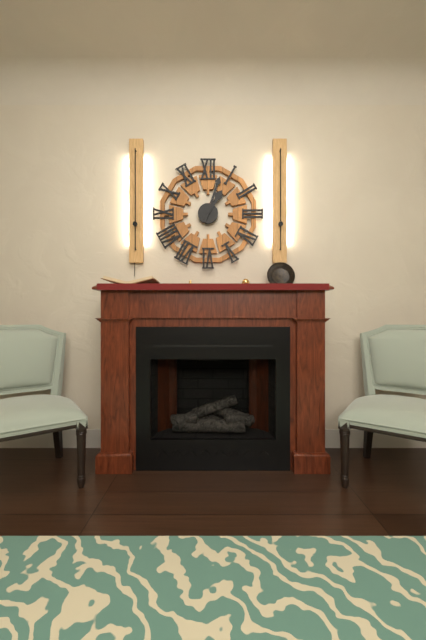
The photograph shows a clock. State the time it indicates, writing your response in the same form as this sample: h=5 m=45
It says h=1 m=3
